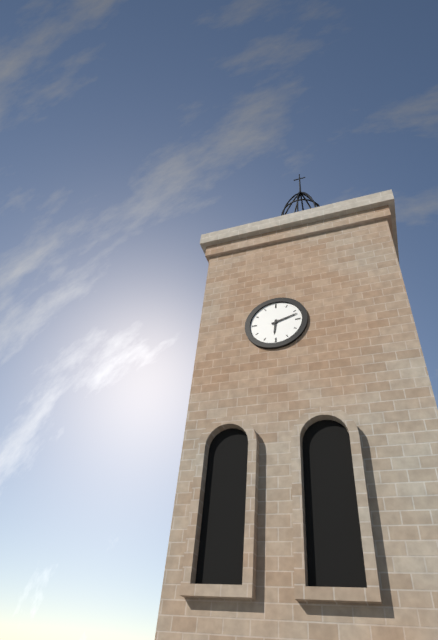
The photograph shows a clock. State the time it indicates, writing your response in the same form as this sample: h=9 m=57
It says h=6 m=12
